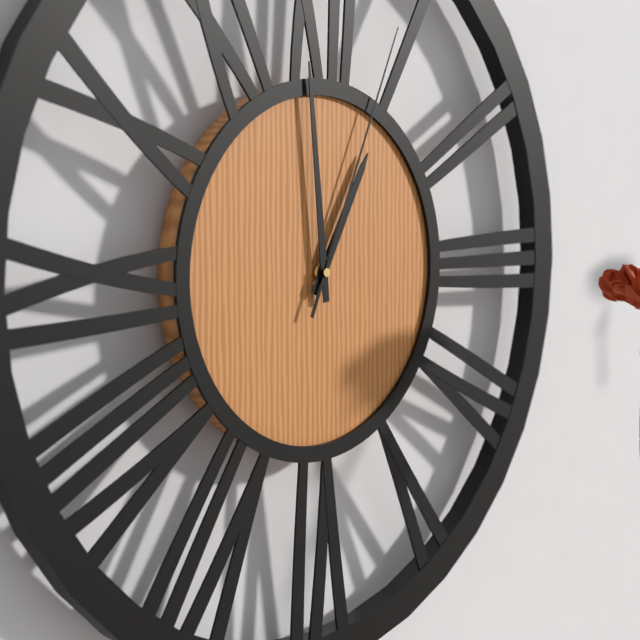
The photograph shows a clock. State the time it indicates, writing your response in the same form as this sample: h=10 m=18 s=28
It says h=12 m=59 s=4
